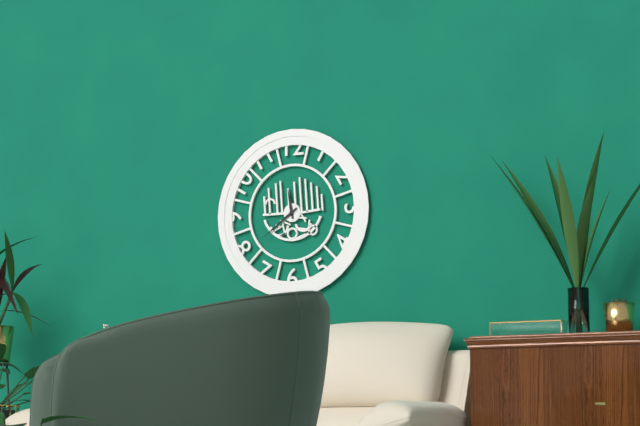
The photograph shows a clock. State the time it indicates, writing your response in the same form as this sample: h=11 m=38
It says h=11 m=39
